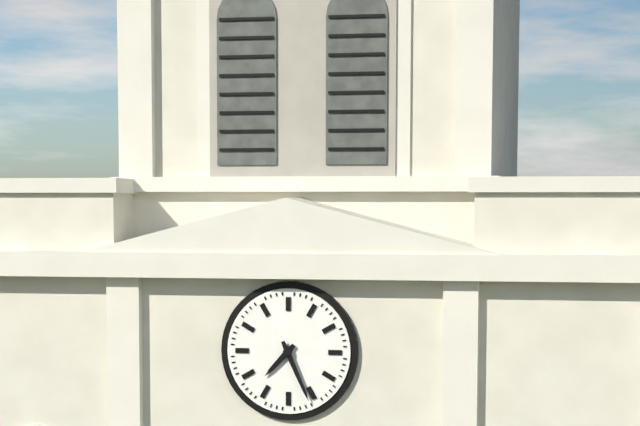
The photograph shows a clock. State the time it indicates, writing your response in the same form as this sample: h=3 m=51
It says h=7 m=26
